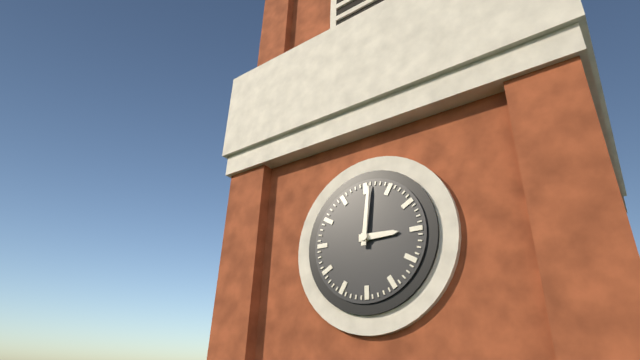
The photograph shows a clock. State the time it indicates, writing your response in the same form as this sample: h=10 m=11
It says h=3 m=1
